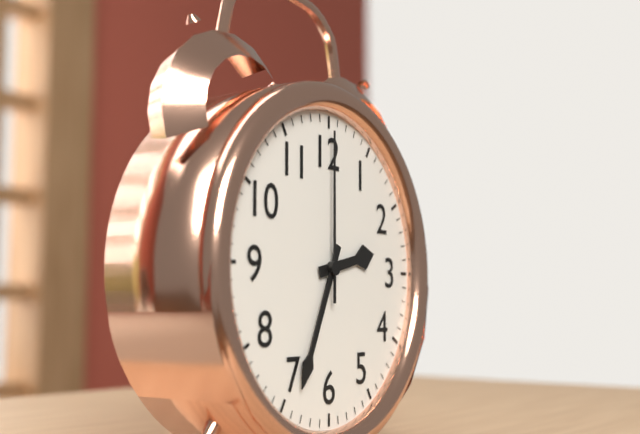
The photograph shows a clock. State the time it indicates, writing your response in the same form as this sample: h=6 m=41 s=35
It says h=2 m=34 s=0
